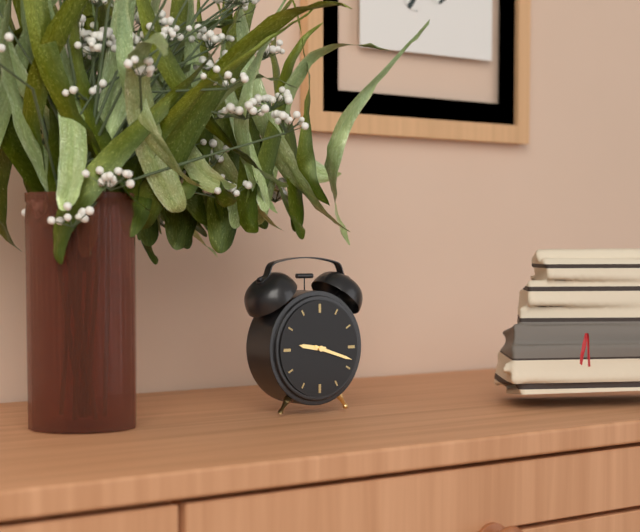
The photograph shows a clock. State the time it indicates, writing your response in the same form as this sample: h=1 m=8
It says h=9 m=18
